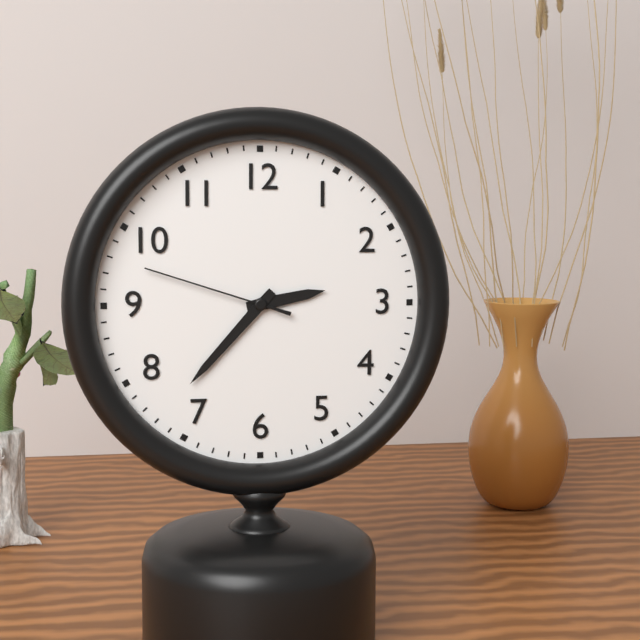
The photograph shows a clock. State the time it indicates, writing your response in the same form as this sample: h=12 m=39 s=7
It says h=2 m=37 s=48
